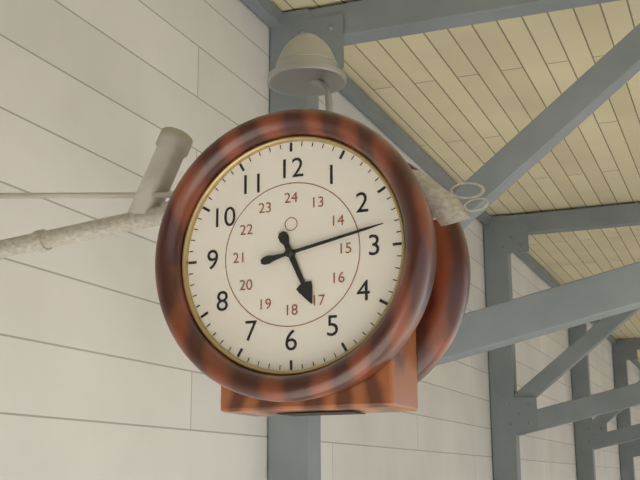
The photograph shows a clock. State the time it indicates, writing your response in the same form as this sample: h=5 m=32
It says h=5 m=13
